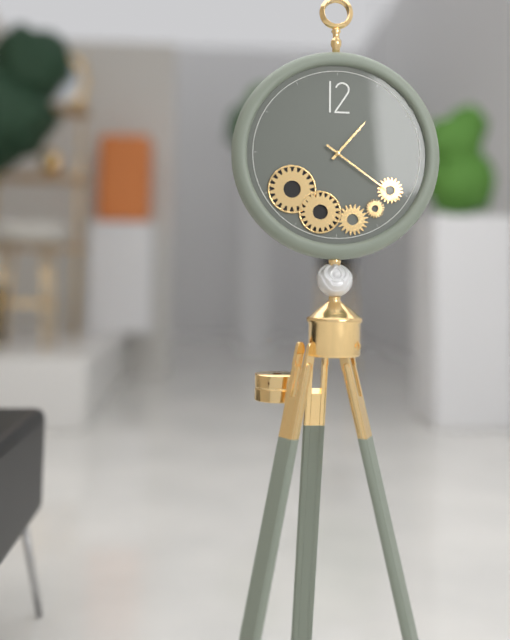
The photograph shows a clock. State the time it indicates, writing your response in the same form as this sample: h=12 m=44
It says h=1 m=21
